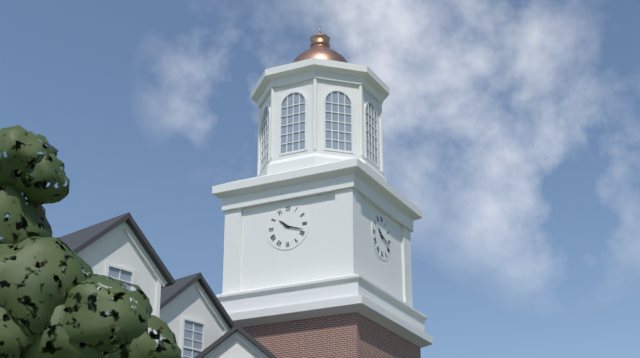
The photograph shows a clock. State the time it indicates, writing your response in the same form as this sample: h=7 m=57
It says h=10 m=18
